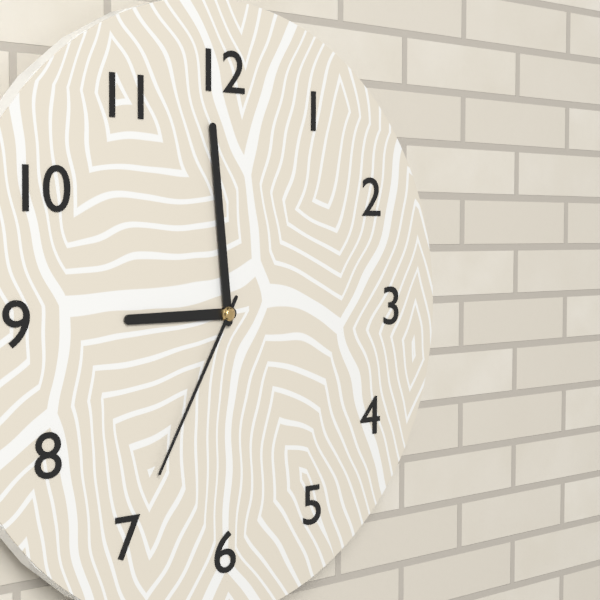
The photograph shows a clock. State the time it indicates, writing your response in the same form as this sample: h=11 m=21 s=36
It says h=8 m=59 s=35
